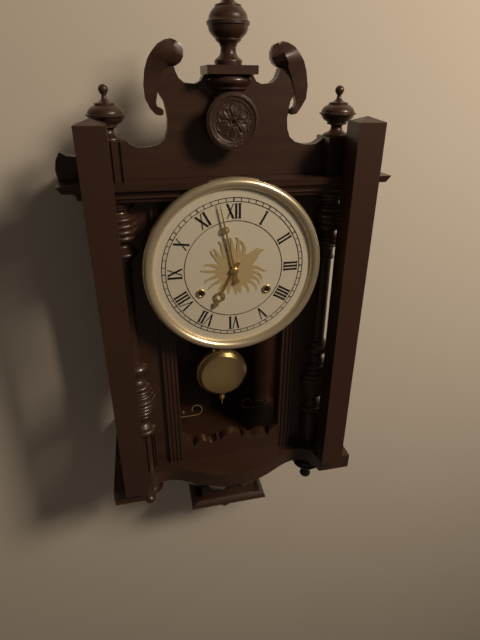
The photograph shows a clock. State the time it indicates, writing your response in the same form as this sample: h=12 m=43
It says h=6 m=58
